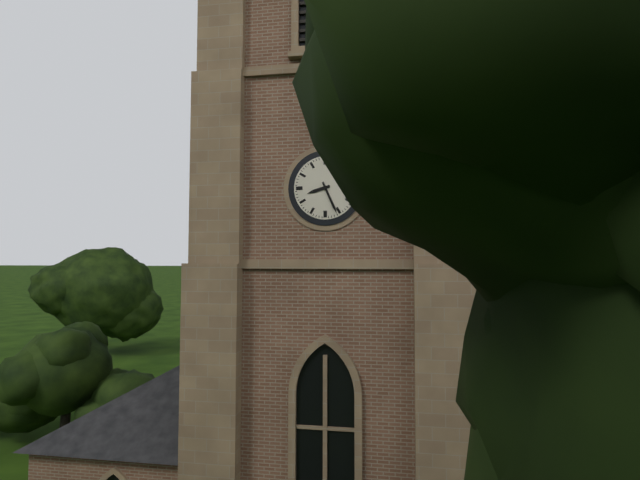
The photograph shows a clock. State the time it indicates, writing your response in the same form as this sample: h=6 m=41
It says h=8 m=26
